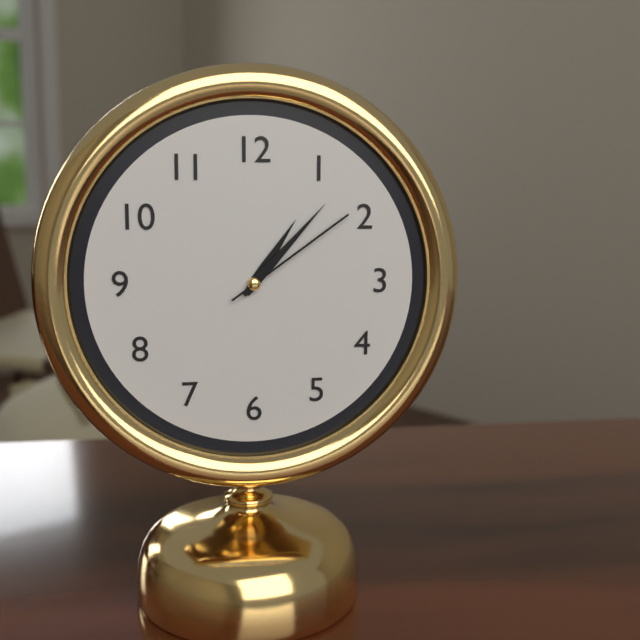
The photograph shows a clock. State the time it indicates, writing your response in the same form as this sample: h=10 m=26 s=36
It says h=1 m=7 s=9
